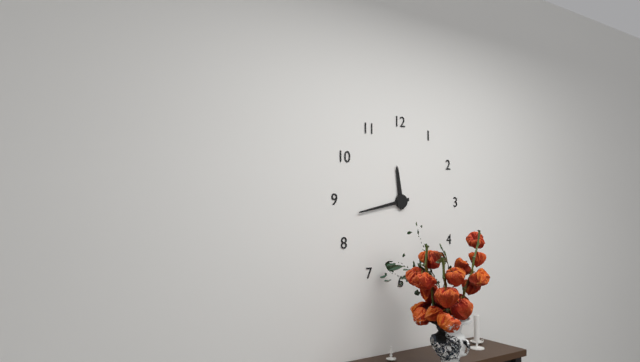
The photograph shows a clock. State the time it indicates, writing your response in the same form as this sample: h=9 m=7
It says h=11 m=43
